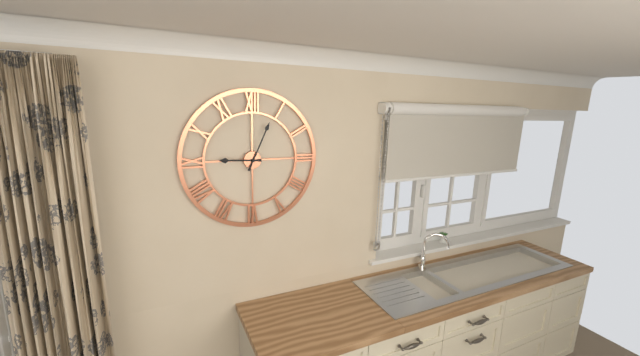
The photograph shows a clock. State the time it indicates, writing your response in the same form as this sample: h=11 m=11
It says h=9 m=4
